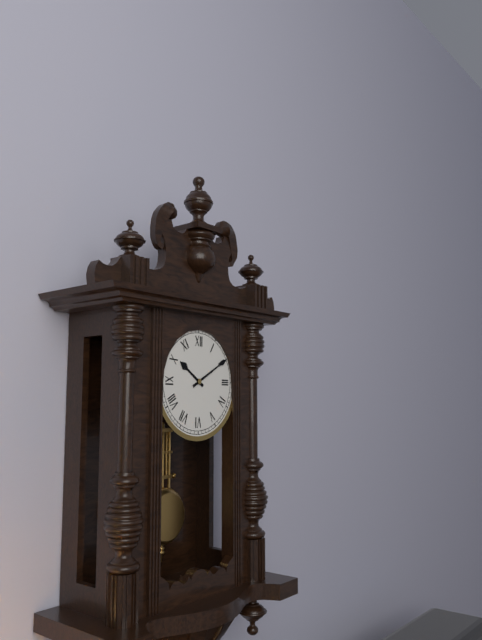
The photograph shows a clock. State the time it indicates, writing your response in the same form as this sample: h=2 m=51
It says h=10 m=10
